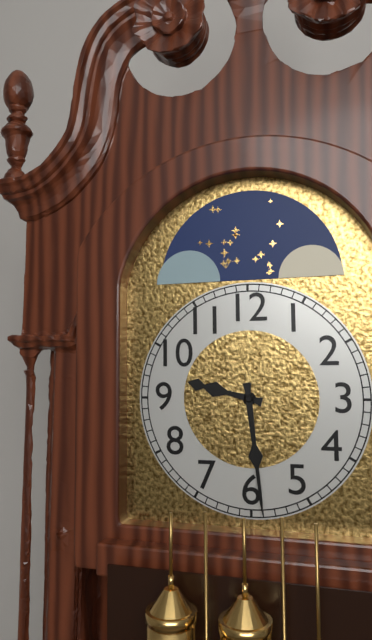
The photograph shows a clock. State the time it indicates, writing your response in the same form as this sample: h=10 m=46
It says h=9 m=29
